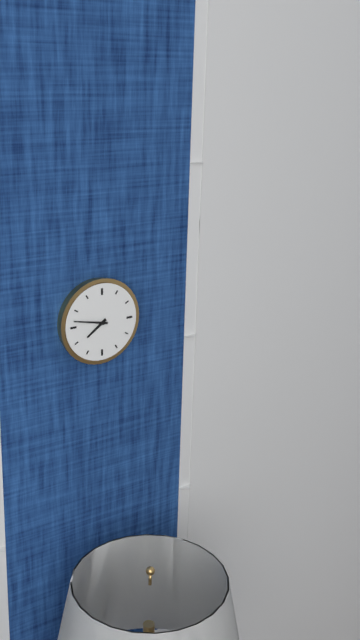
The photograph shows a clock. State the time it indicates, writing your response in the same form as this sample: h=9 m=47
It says h=7 m=47
